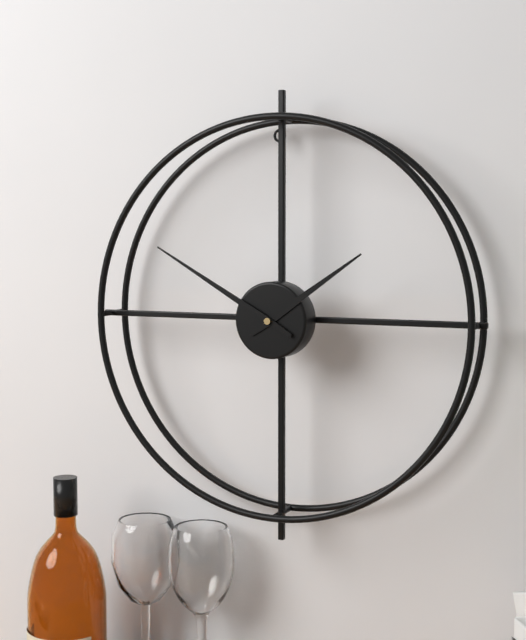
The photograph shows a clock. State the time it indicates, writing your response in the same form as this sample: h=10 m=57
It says h=1 m=50
